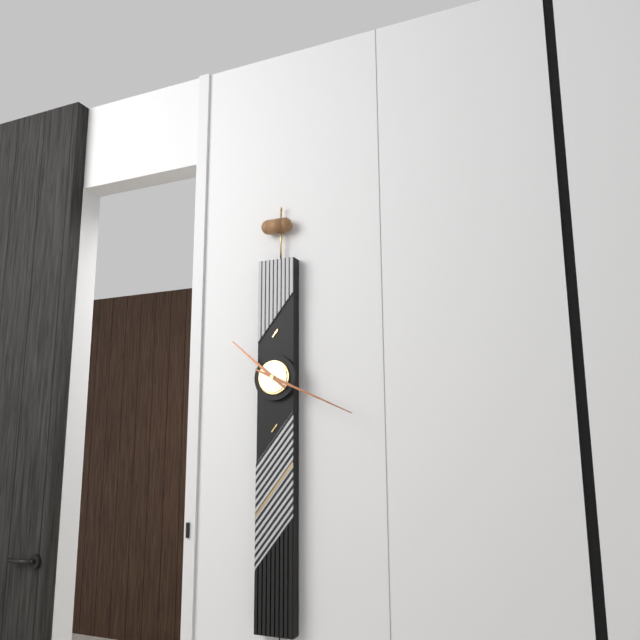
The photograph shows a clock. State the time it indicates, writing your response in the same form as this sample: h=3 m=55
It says h=10 m=19
